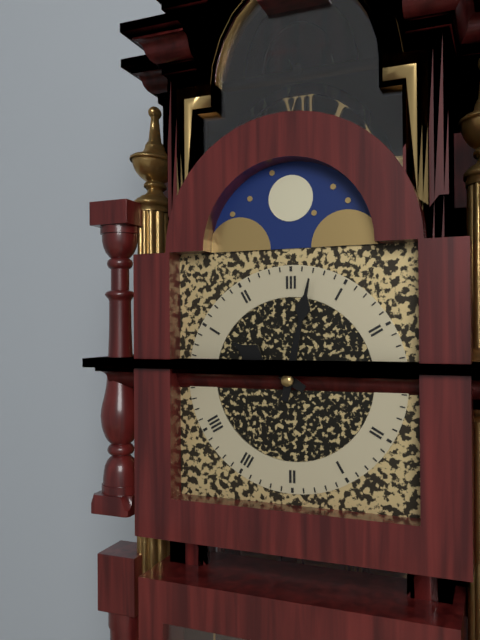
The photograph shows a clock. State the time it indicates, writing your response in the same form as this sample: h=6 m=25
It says h=10 m=2
